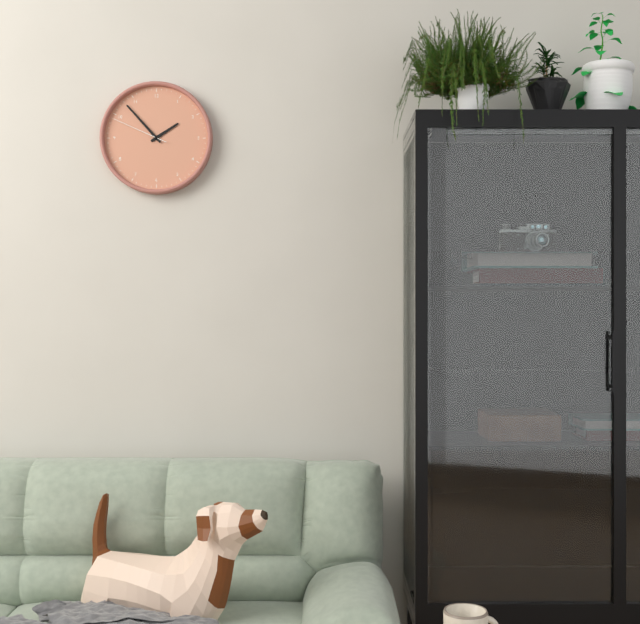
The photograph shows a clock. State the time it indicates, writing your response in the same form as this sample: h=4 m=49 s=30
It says h=1 m=53 s=49
